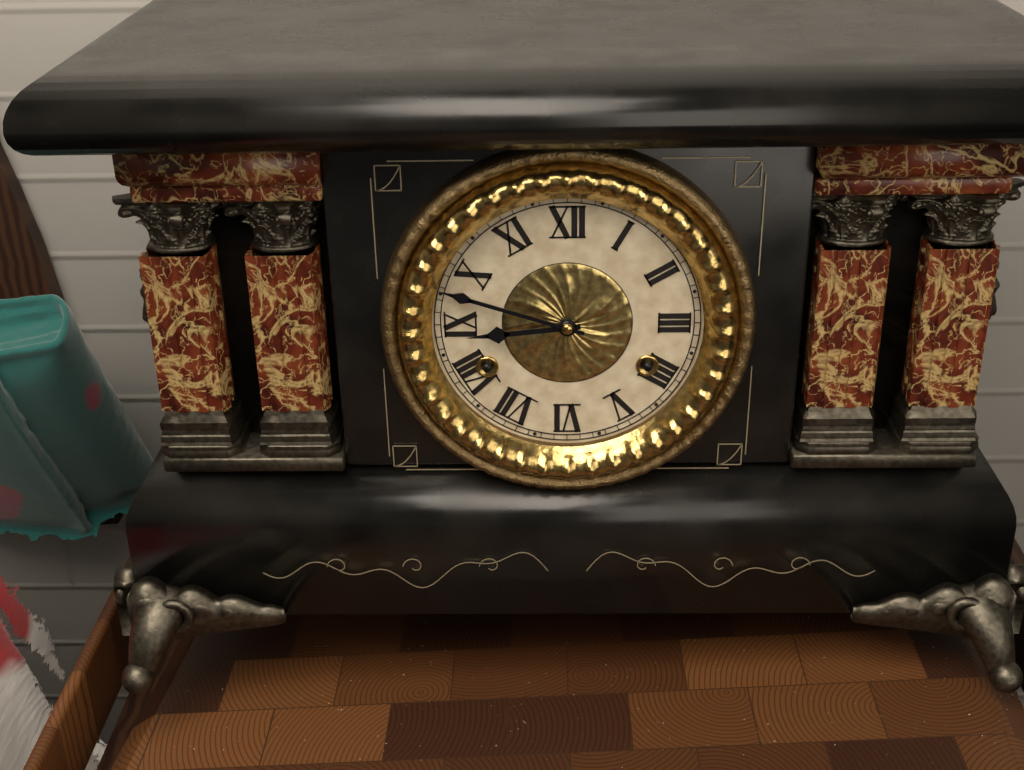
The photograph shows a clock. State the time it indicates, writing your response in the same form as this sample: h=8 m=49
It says h=8 m=48
